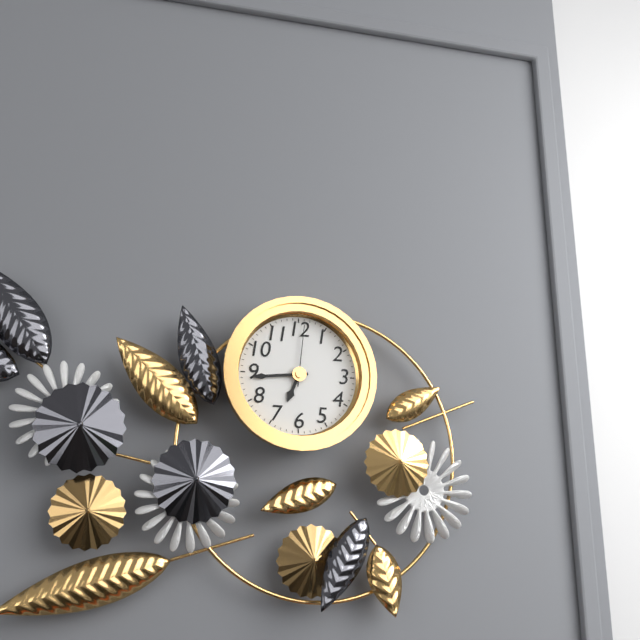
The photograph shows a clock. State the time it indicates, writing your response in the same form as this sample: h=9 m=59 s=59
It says h=6 m=44 s=1
